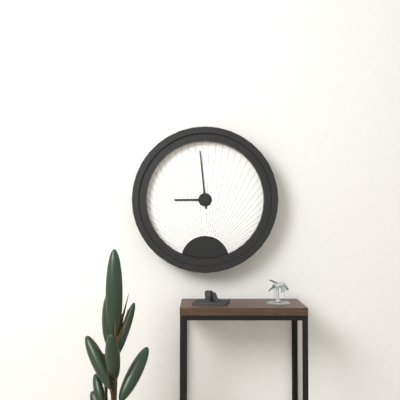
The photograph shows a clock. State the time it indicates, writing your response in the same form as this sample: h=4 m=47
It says h=8 m=59
